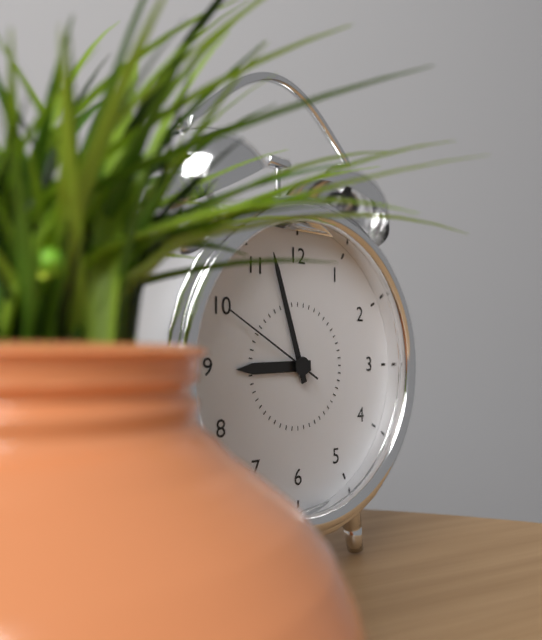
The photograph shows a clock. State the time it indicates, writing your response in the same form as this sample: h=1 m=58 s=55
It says h=8 m=57 s=50
